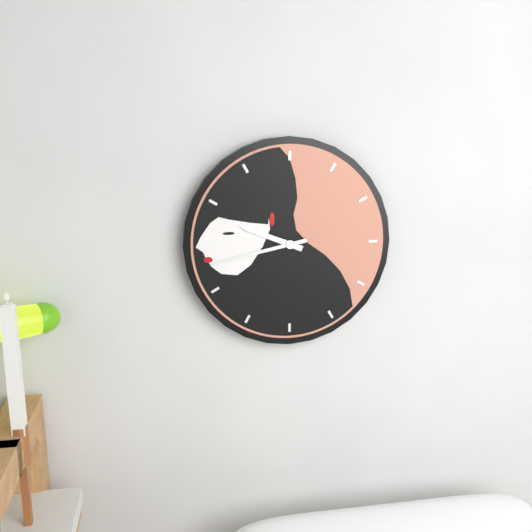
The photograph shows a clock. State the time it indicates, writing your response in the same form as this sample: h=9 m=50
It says h=9 m=43
